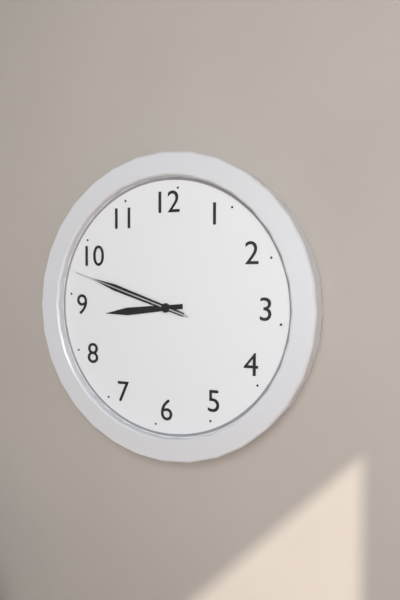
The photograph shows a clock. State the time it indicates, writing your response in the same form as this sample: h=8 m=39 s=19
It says h=8 m=48 s=48
